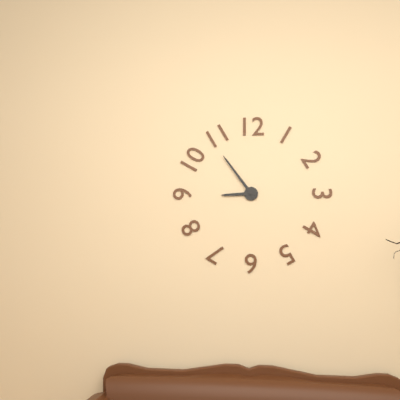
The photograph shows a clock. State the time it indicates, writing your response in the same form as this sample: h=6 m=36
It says h=8 m=54
